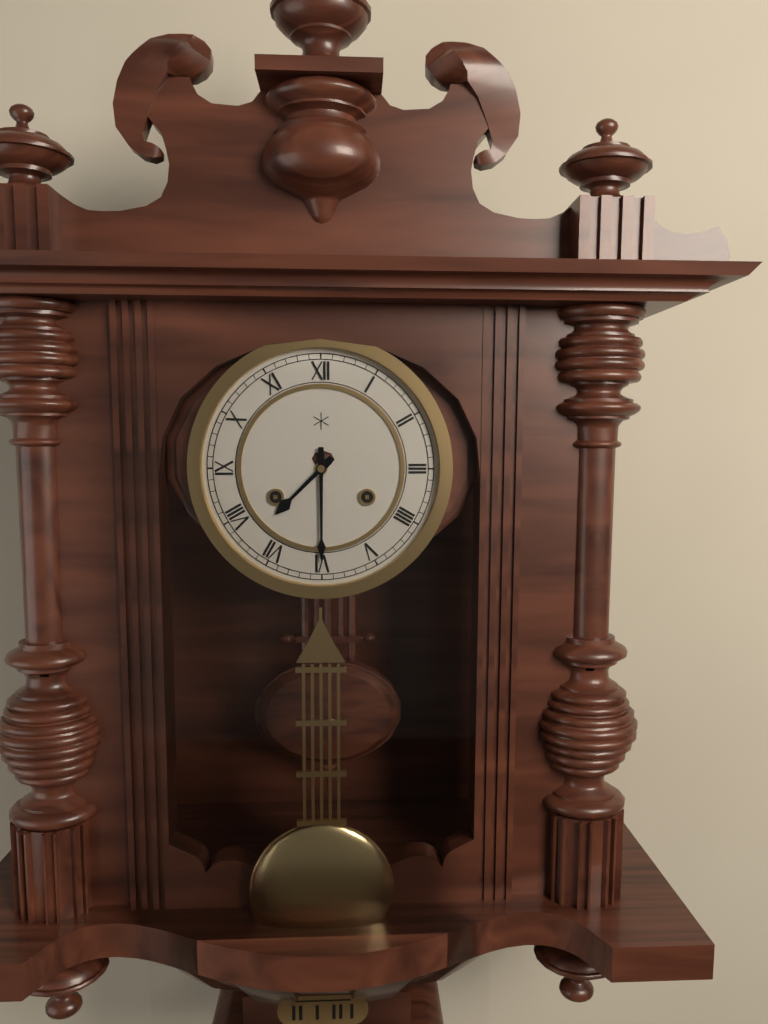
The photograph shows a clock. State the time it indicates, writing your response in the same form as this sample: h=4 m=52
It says h=7 m=30
